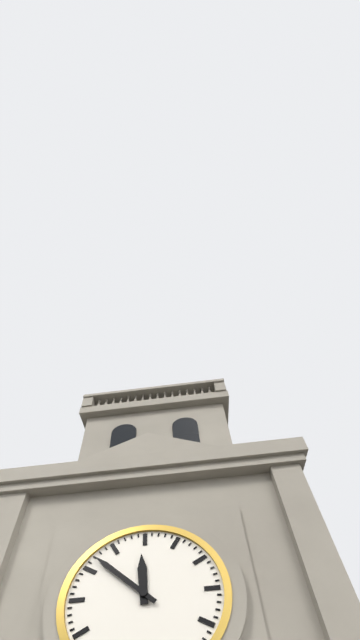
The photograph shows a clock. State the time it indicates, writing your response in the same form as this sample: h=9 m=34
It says h=11 m=52
